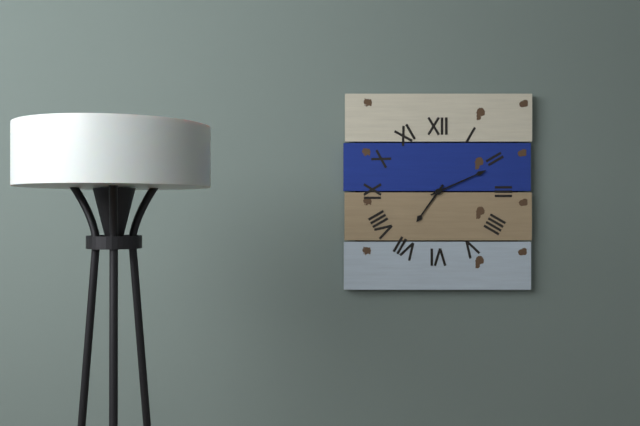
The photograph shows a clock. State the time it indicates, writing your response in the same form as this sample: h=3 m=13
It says h=7 m=11
